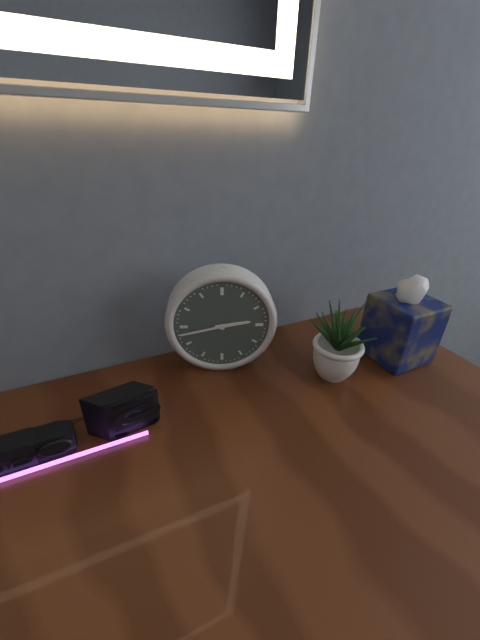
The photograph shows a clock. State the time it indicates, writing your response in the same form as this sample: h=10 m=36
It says h=2 m=43
